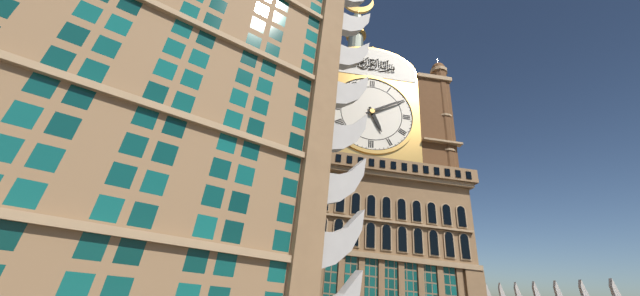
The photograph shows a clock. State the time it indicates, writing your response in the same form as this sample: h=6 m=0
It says h=5 m=10
